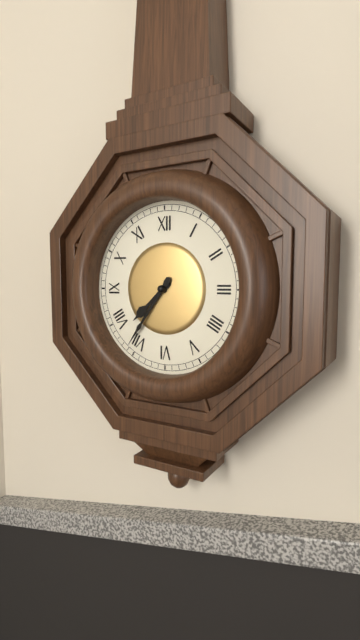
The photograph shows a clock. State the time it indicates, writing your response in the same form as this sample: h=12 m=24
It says h=7 m=36
